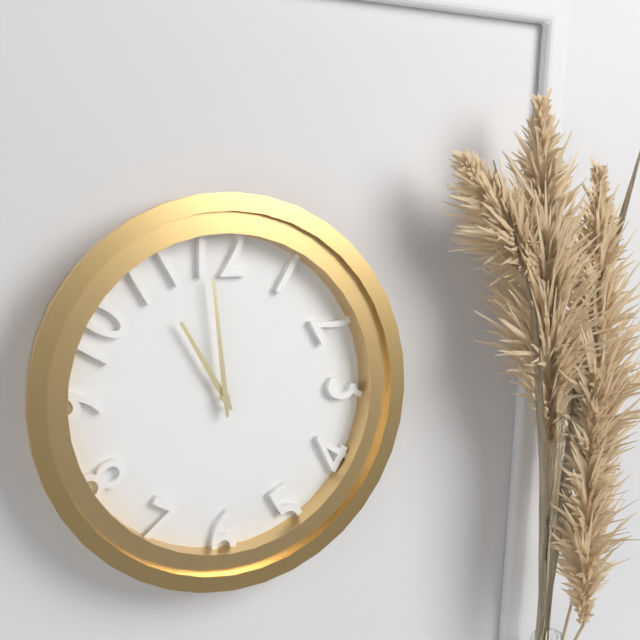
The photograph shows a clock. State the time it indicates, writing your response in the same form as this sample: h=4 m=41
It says h=10 m=59
